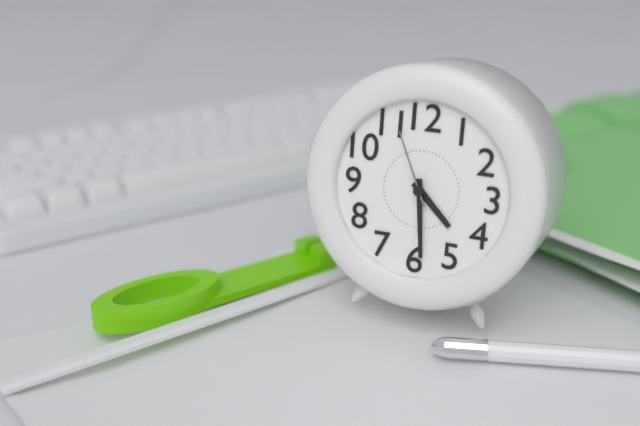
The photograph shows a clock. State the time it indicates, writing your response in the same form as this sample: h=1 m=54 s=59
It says h=4 m=29 s=56
